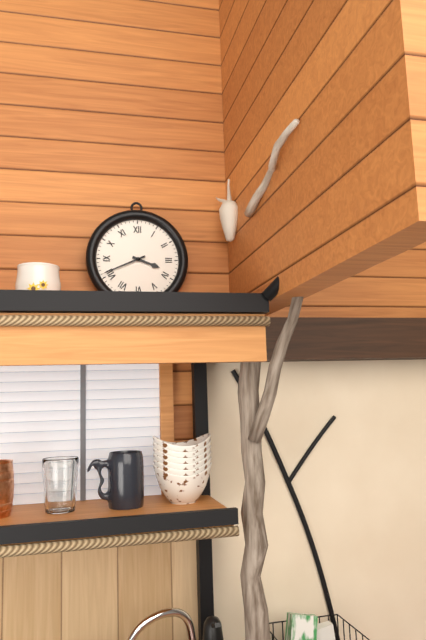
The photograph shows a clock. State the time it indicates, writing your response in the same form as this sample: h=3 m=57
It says h=3 m=41
